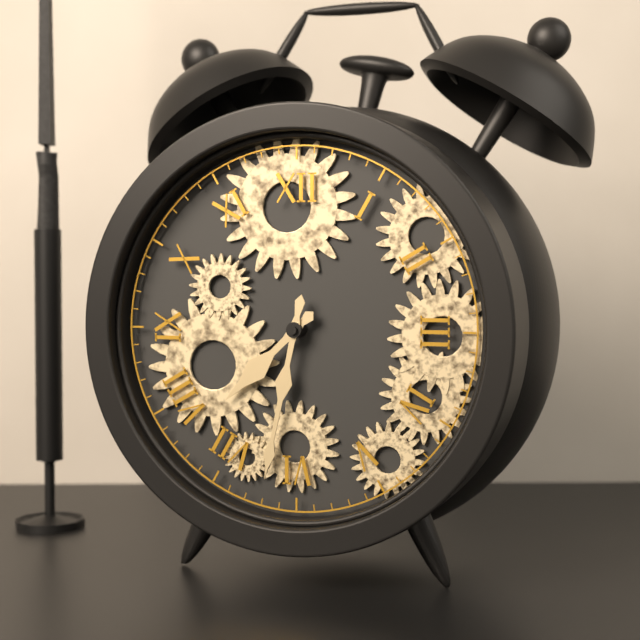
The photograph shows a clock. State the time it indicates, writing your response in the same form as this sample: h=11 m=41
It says h=7 m=32
